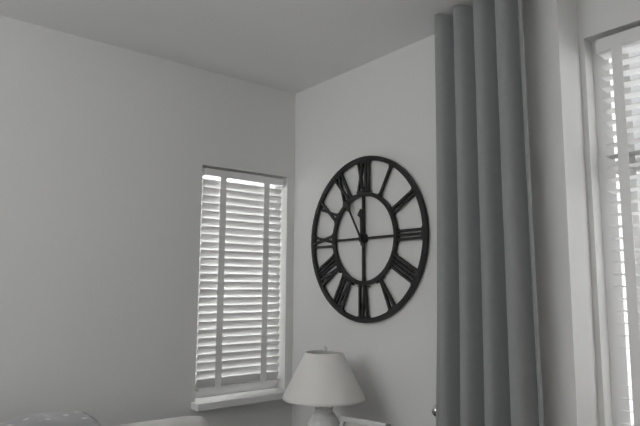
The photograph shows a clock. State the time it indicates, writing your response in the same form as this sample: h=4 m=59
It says h=11 m=55
